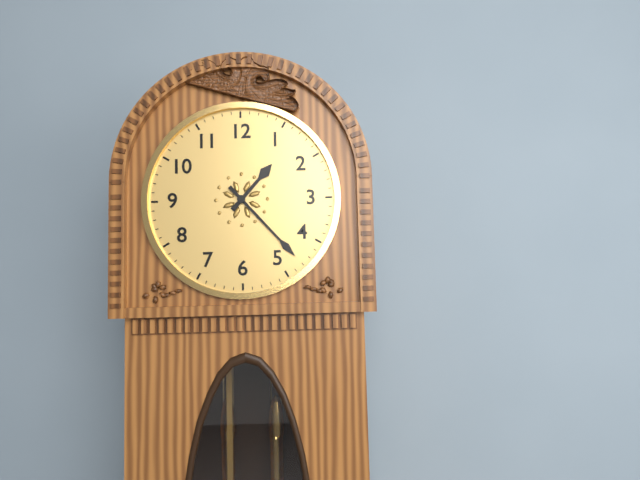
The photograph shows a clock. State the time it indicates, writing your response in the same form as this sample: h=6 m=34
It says h=1 m=23
